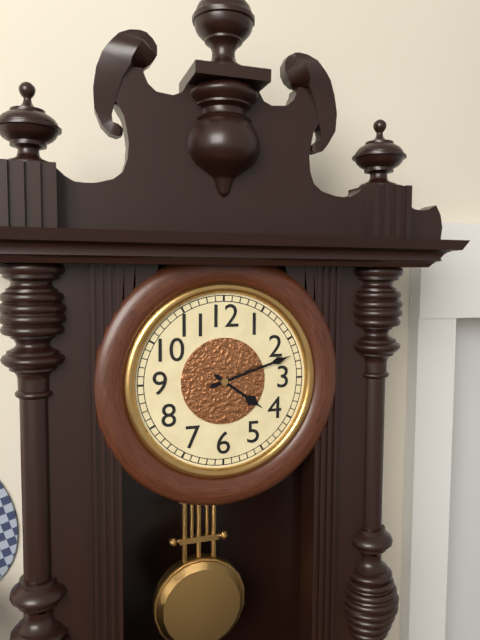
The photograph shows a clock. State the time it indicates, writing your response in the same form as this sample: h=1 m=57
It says h=4 m=12
